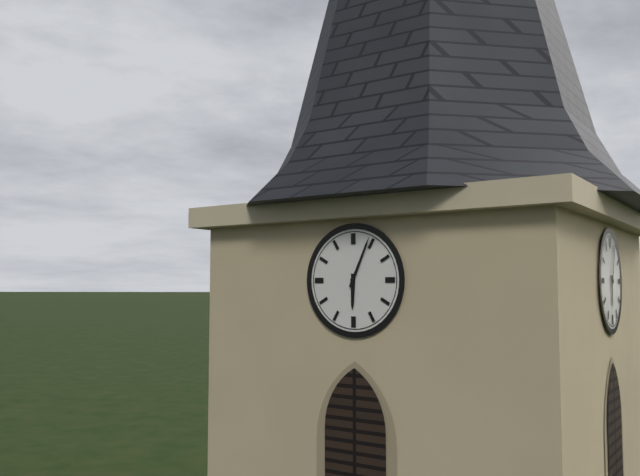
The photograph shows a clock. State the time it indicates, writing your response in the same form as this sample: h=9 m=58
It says h=6 m=4
